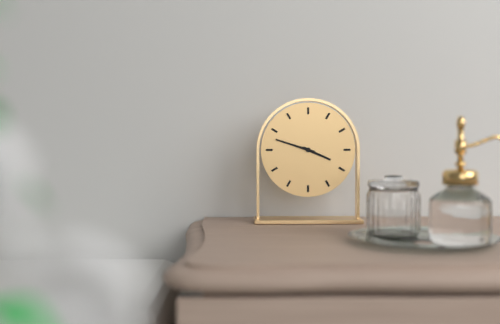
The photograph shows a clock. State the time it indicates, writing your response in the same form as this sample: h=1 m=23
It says h=3 m=48
